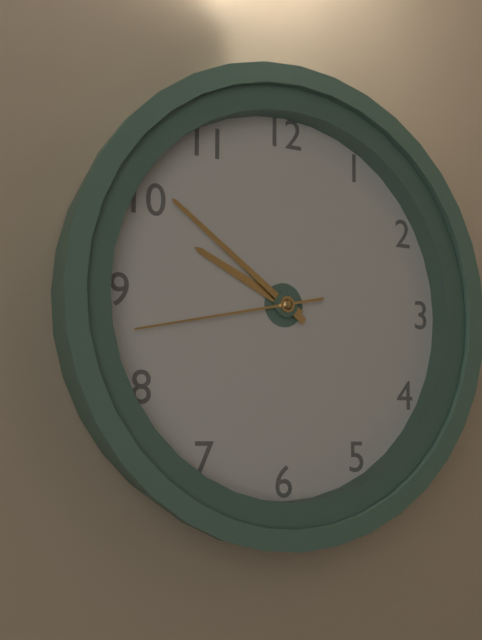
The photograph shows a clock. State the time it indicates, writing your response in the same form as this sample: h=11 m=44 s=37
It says h=9 m=51 s=43
